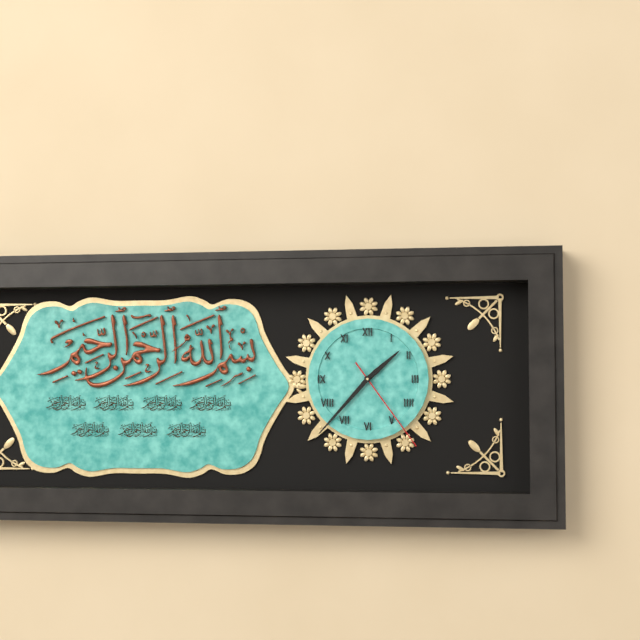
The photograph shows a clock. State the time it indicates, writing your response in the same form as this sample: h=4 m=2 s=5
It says h=1 m=37 s=24
